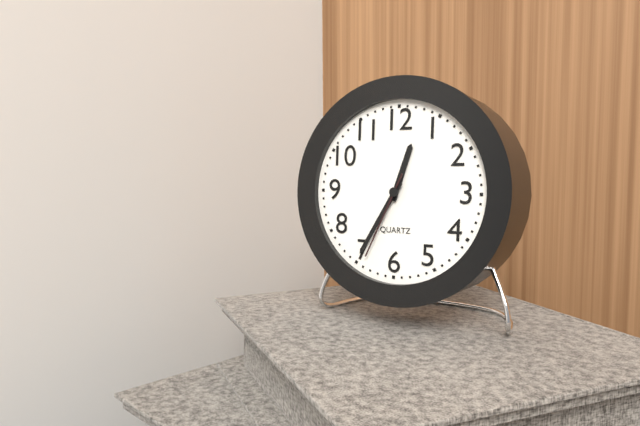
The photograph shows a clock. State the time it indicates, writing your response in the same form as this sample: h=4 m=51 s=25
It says h=12 m=35 s=34
